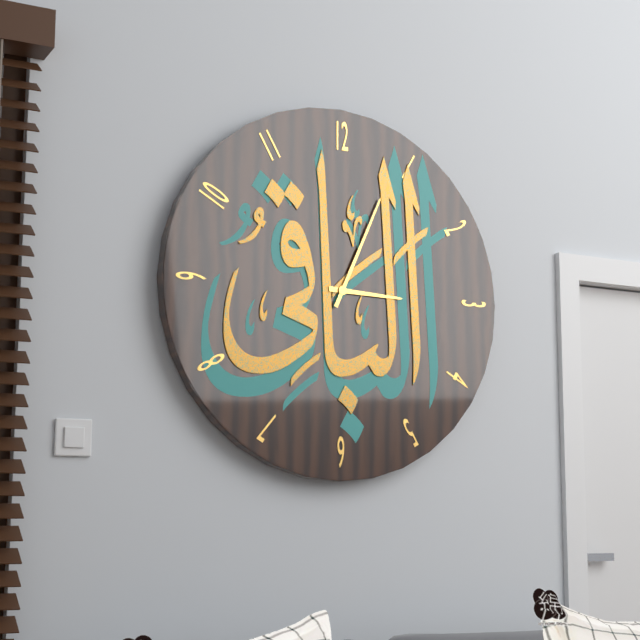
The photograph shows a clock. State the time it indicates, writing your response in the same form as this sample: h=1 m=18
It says h=3 m=4
